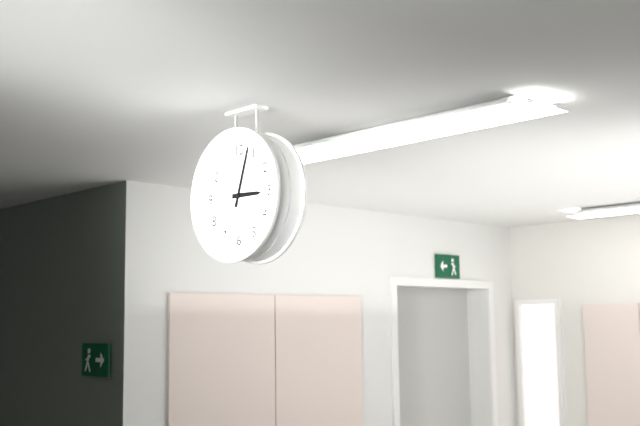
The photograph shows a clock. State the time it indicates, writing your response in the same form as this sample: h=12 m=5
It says h=3 m=3
